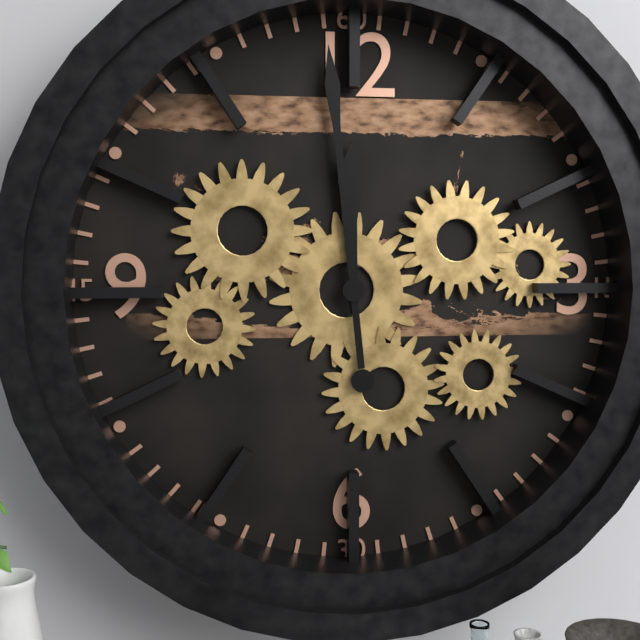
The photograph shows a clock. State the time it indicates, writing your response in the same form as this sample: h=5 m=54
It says h=11 m=59
